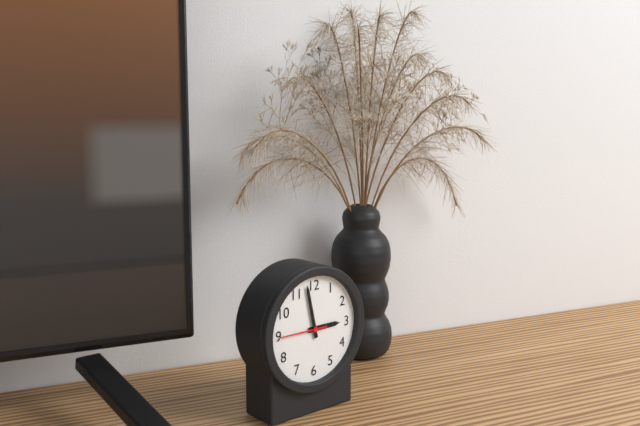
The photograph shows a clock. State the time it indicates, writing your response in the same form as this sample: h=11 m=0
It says h=2 m=58
